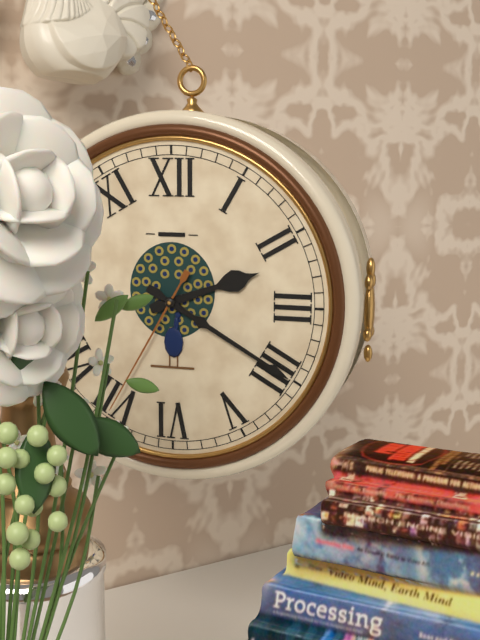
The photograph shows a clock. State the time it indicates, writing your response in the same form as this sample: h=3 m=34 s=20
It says h=2 m=20 s=35
